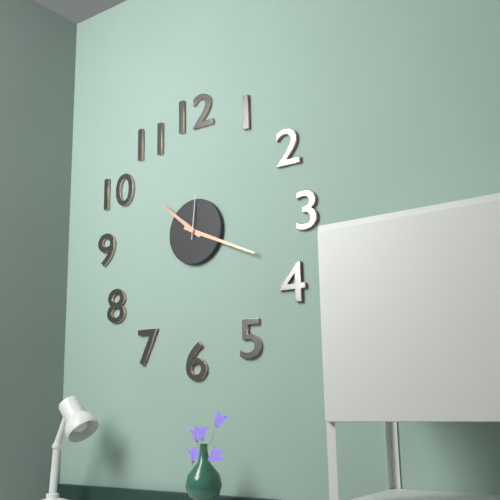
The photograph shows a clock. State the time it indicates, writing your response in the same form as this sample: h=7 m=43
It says h=10 m=19
